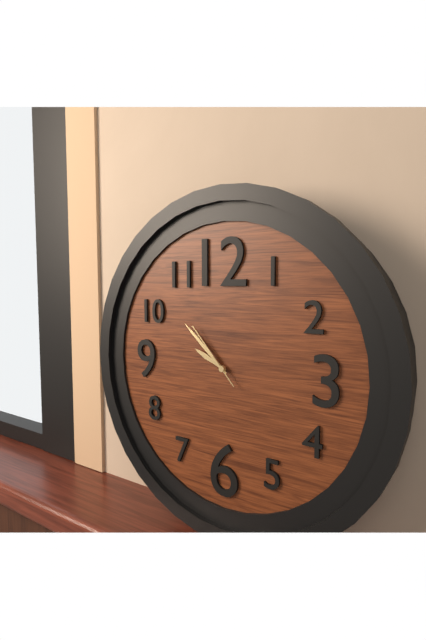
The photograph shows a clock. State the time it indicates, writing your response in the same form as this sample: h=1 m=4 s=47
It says h=9 m=52 s=53
